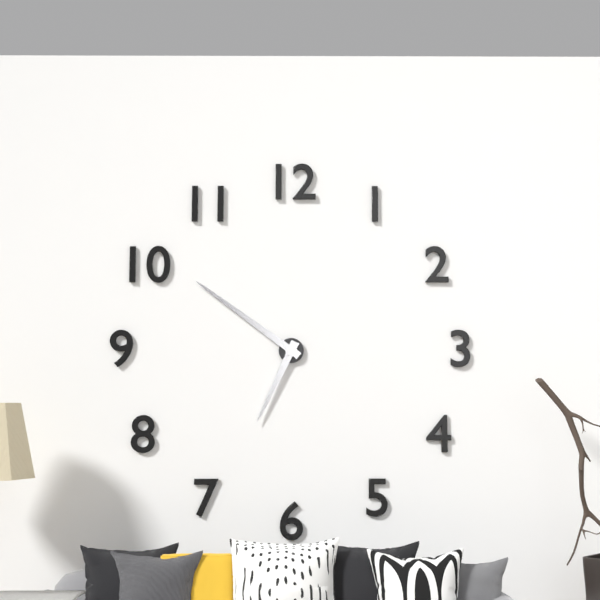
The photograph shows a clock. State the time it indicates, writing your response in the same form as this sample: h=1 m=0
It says h=6 m=51
